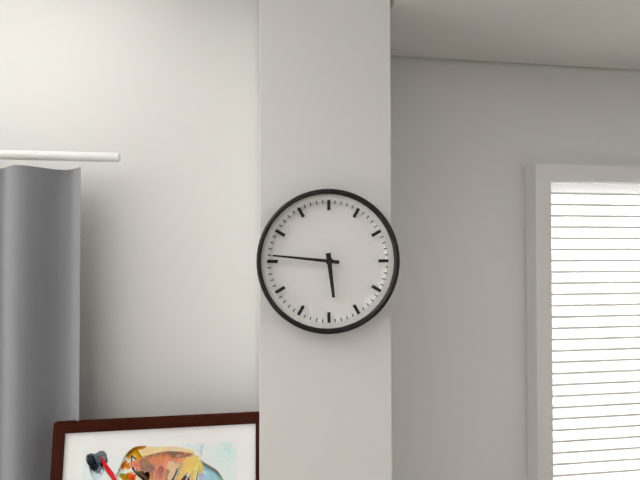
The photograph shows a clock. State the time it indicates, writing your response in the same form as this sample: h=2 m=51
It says h=5 m=46
